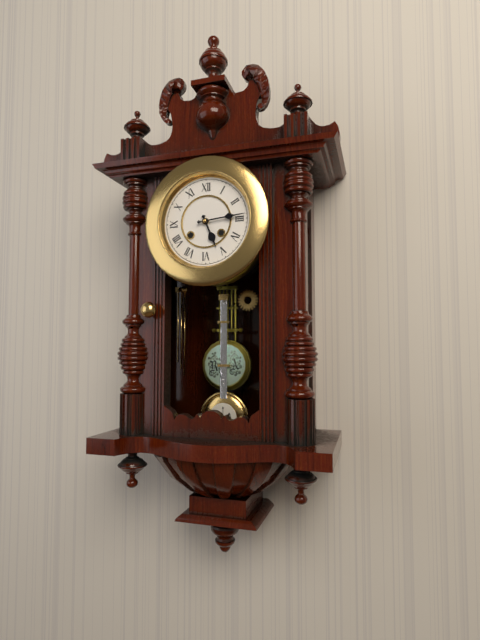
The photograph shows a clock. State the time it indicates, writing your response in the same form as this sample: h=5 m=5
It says h=5 m=14
